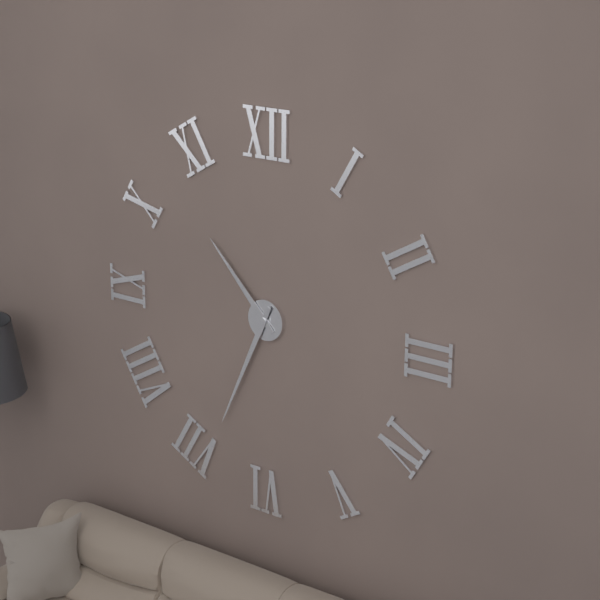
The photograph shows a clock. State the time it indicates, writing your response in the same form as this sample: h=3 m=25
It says h=10 m=34
